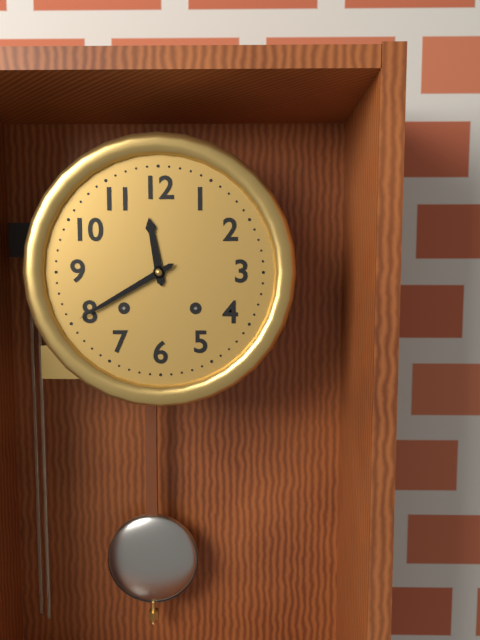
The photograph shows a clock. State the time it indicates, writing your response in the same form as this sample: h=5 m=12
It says h=11 m=40
